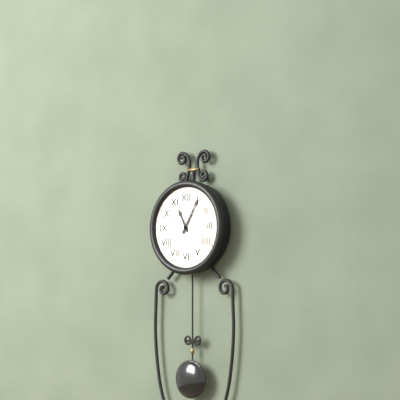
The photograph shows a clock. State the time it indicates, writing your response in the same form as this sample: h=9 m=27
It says h=11 m=5
